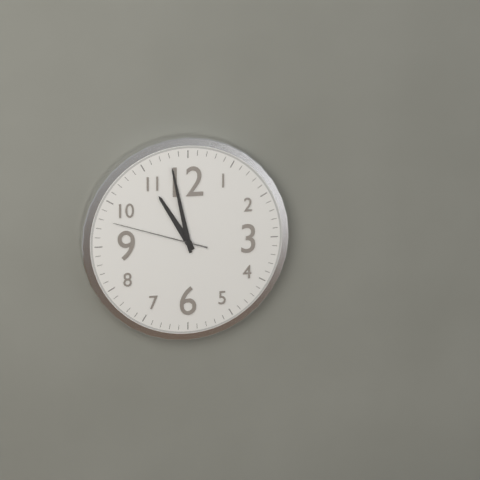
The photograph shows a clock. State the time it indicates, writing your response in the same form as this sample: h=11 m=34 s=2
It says h=10 m=58 s=48
